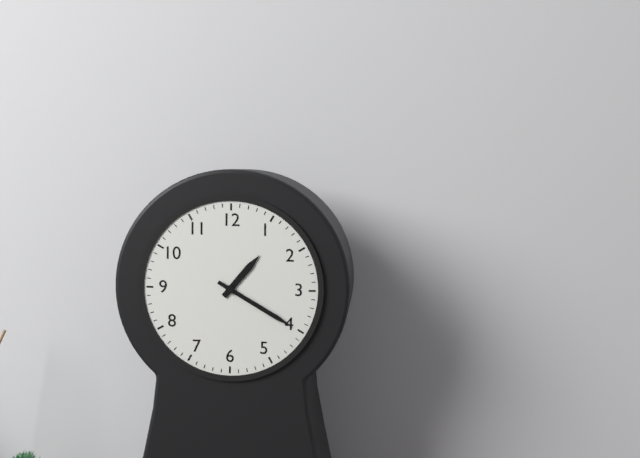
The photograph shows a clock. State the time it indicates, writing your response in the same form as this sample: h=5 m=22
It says h=1 m=20
